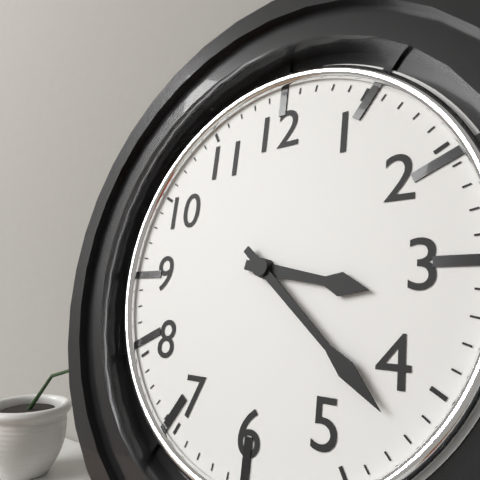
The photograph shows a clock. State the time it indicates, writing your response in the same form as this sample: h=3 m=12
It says h=3 m=22
